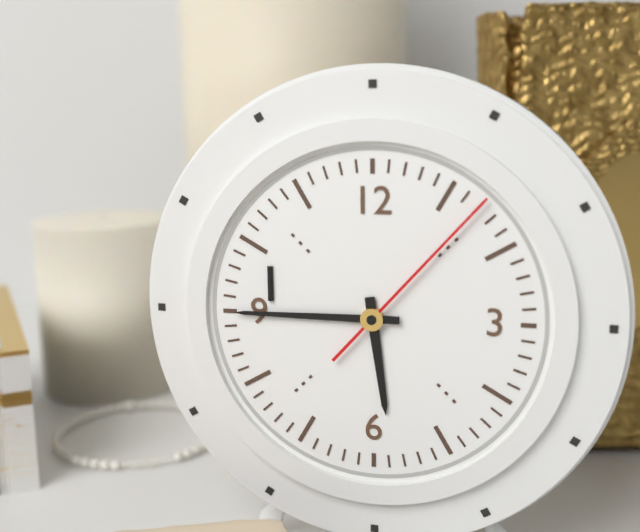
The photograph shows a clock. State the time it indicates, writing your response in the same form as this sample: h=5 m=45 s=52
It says h=5 m=45 s=7
